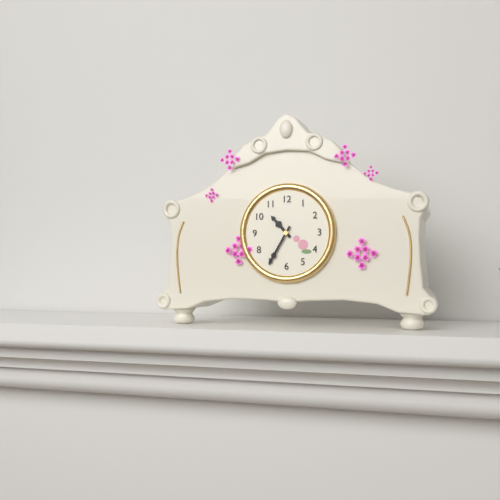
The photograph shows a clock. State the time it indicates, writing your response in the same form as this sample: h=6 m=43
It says h=10 m=35
